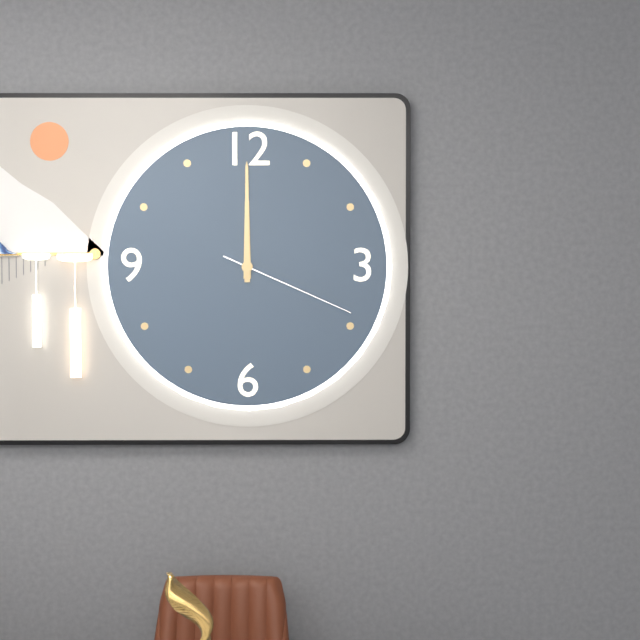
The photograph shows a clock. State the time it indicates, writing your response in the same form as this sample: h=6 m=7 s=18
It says h=12 m=0 s=19
